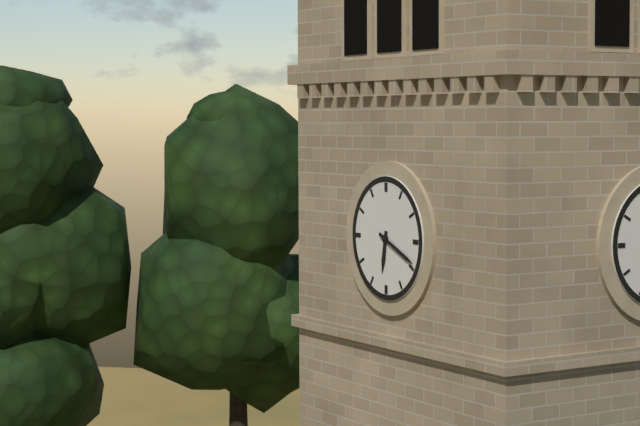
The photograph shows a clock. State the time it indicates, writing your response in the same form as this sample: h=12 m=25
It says h=6 m=19
